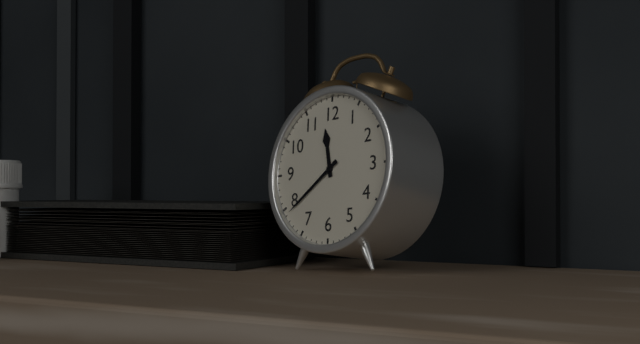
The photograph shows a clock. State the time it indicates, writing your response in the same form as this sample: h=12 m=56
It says h=11 m=39
